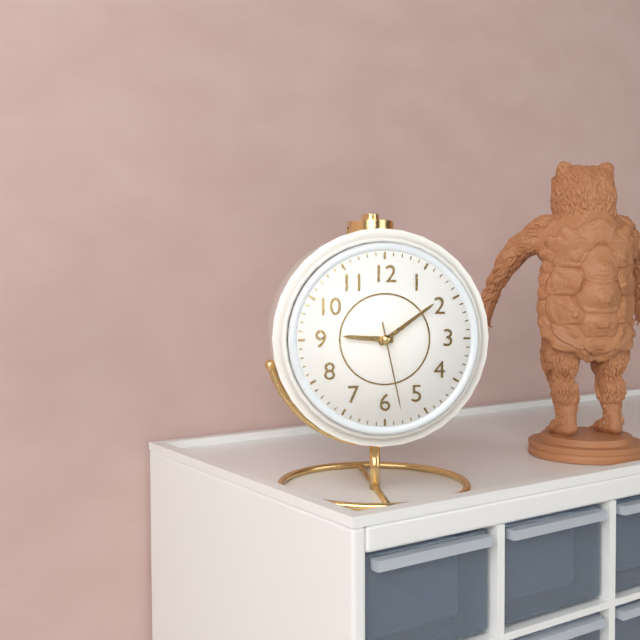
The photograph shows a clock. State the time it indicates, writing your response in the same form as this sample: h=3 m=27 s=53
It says h=9 m=9 s=28
